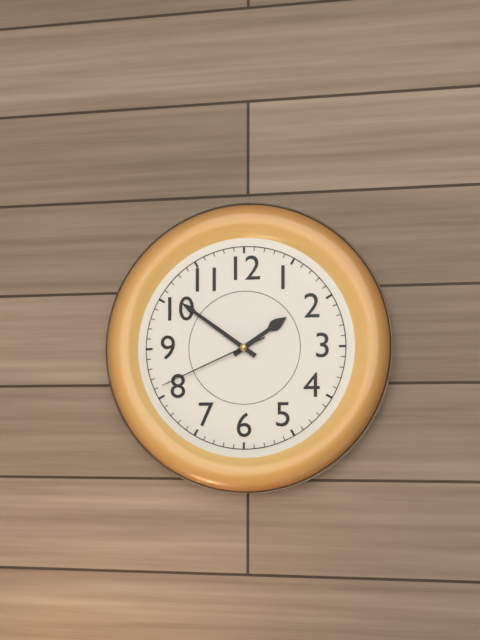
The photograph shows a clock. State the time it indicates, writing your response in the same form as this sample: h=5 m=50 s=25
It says h=1 m=51 s=41
